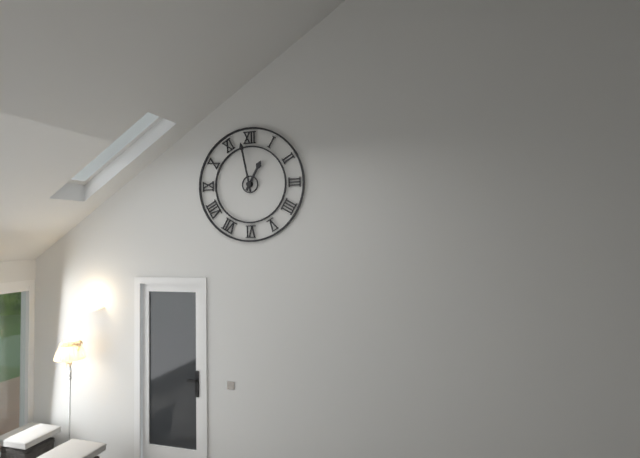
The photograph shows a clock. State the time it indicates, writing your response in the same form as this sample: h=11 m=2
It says h=12 m=58
